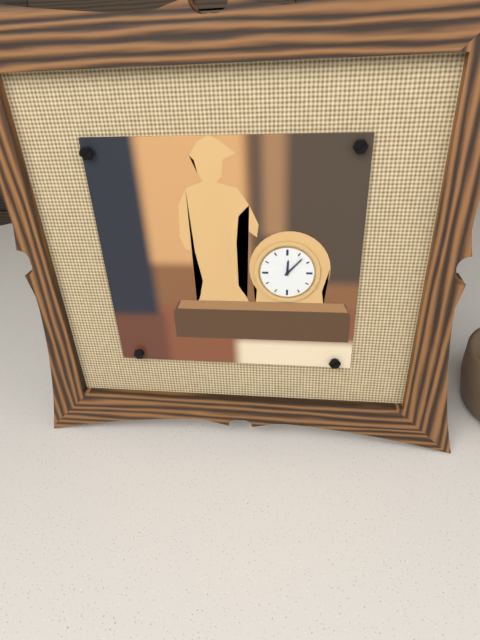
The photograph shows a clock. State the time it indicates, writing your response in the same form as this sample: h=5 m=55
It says h=12 m=7
